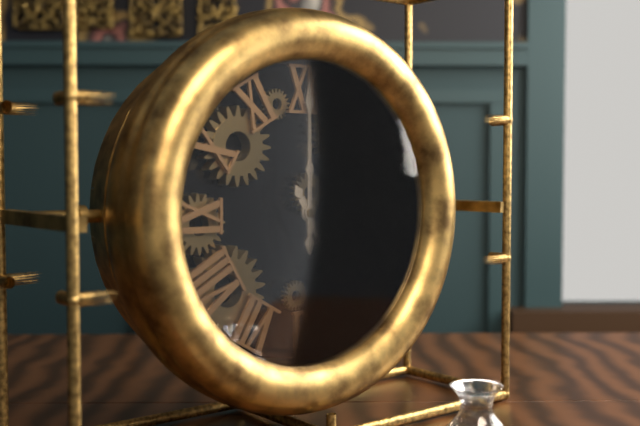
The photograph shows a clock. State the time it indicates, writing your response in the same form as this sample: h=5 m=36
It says h=5 m=0
